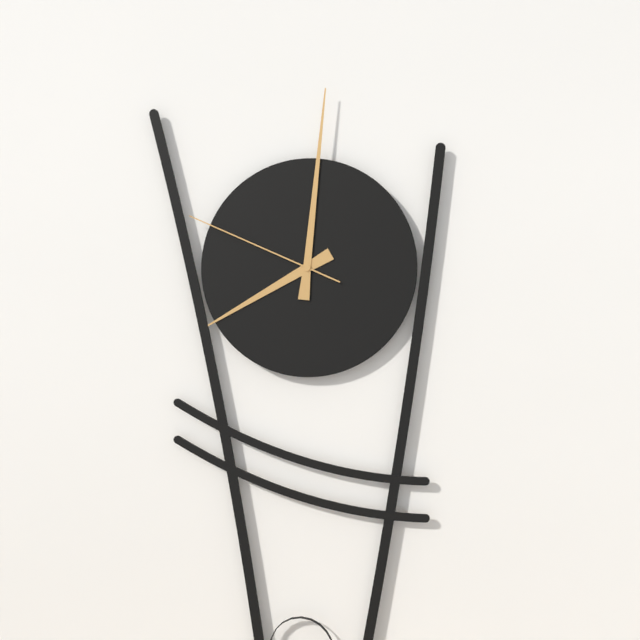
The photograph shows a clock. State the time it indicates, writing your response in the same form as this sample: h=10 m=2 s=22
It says h=8 m=1 s=49
